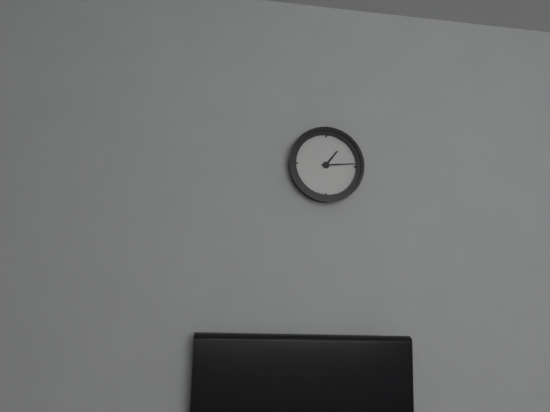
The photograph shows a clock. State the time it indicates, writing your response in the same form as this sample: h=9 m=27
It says h=1 m=14
